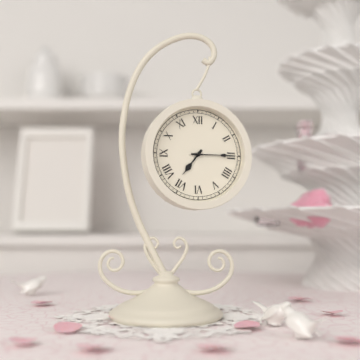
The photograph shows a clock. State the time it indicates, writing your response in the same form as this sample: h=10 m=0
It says h=7 m=15
